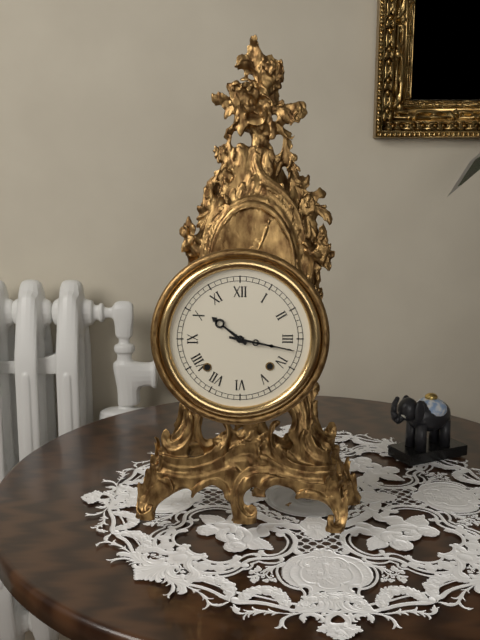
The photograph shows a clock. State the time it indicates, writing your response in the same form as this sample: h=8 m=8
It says h=10 m=17
